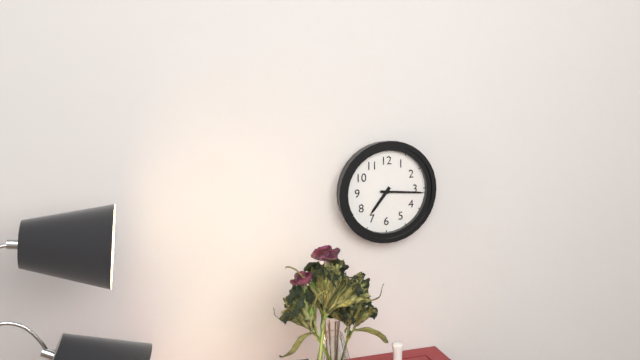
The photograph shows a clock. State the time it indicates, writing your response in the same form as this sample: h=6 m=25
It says h=7 m=16
